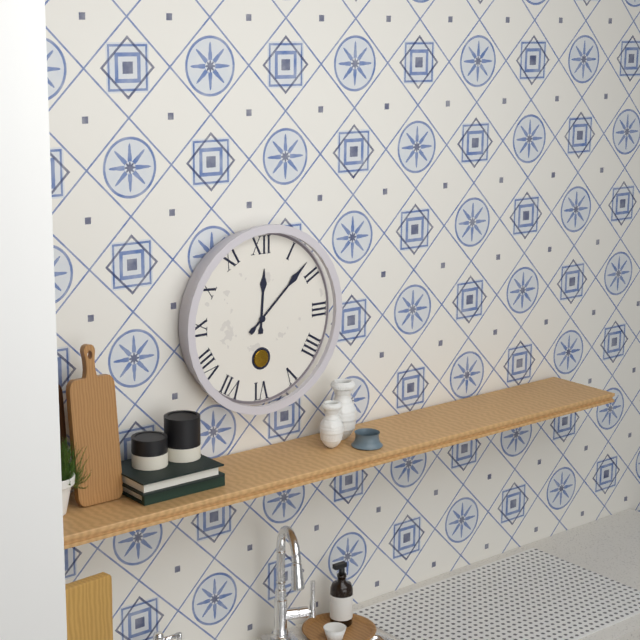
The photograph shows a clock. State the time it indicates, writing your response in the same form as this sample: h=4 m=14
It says h=12 m=8
